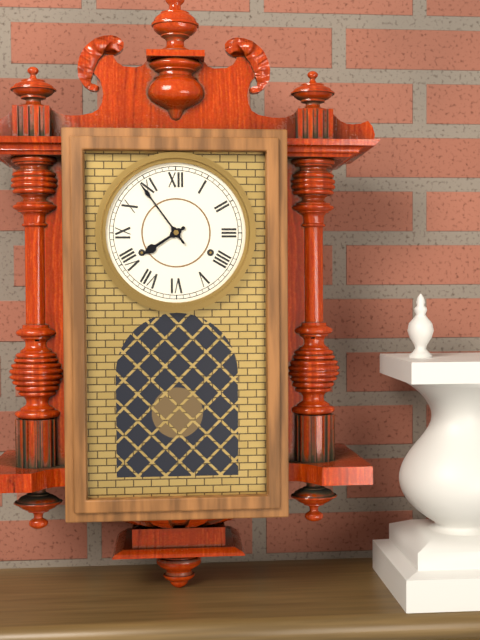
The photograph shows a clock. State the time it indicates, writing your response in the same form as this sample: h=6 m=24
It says h=7 m=54
